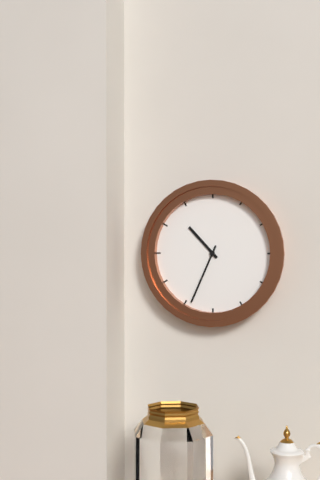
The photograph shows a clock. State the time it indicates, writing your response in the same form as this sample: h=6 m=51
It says h=10 m=34
